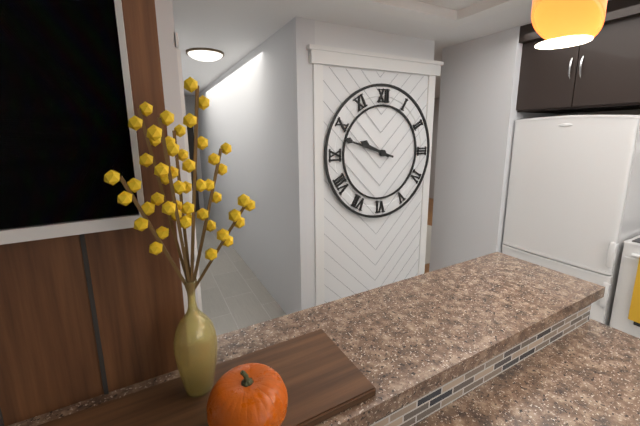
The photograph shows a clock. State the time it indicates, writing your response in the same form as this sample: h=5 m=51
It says h=9 m=48
